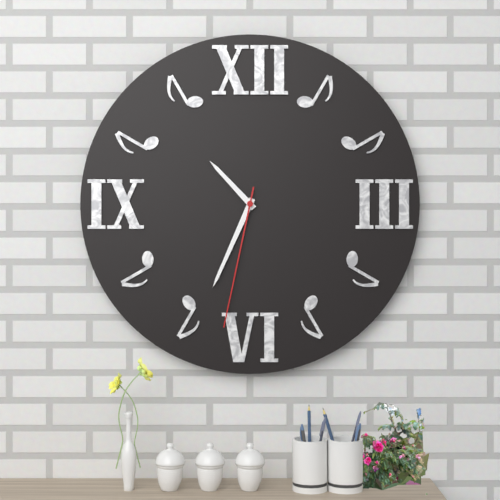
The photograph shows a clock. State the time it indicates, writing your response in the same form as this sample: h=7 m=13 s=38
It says h=10 m=34 s=32
